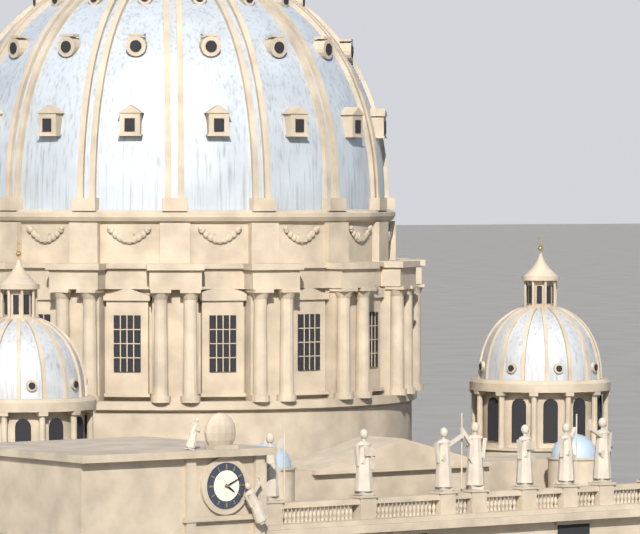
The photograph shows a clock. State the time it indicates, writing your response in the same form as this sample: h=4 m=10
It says h=4 m=11
